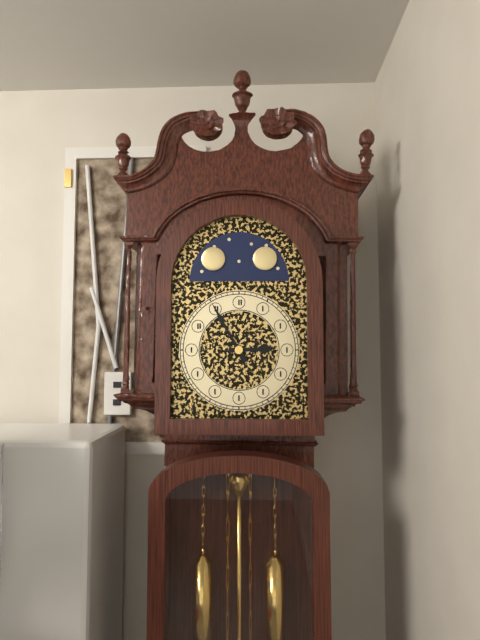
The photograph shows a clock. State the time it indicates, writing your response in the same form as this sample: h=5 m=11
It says h=2 m=55
